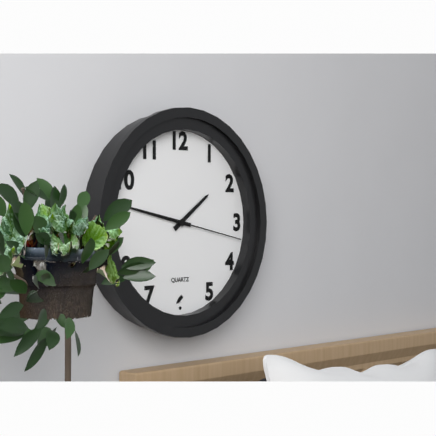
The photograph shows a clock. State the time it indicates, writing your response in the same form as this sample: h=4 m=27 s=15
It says h=1 m=47 s=17
